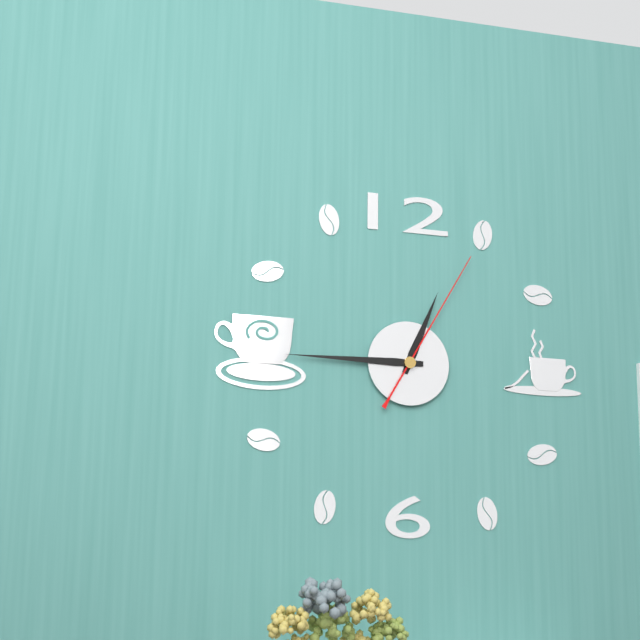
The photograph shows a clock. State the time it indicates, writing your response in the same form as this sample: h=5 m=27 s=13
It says h=12 m=45 s=5
